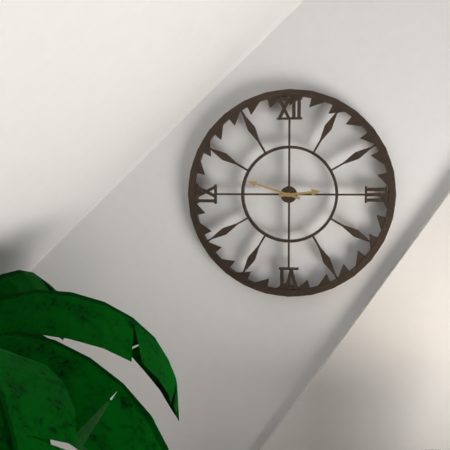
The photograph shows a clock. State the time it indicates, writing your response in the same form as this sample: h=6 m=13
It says h=2 m=48
